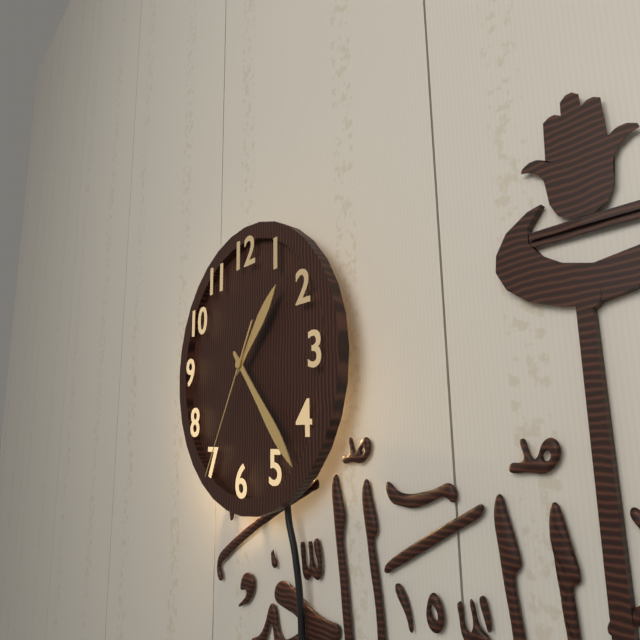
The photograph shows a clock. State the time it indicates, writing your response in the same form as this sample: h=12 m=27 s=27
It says h=1 m=23 s=35
